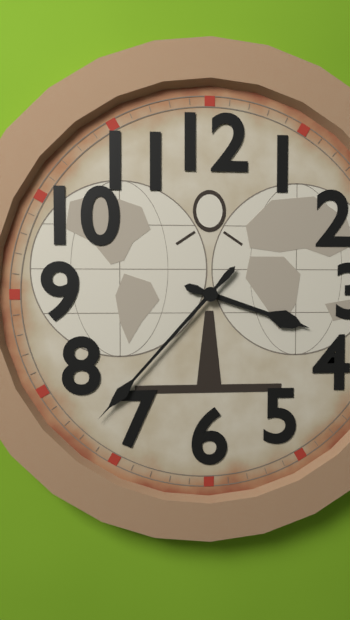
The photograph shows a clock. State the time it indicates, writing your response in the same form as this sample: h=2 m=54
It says h=3 m=37
